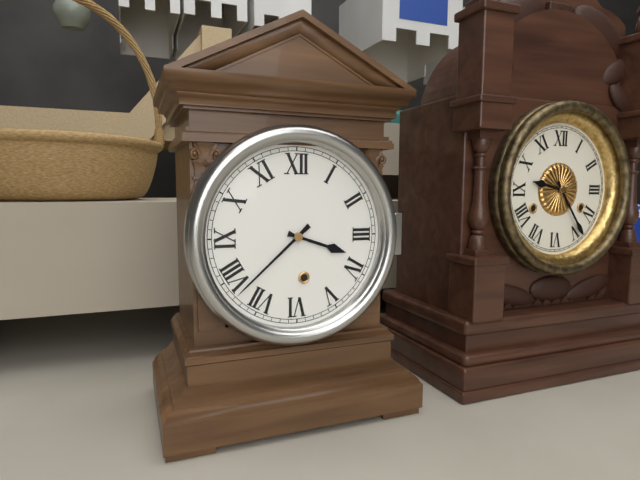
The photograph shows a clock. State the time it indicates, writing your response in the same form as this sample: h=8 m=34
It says h=3 m=38
